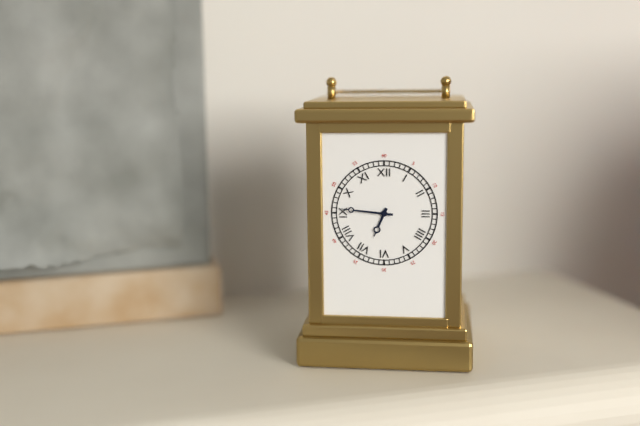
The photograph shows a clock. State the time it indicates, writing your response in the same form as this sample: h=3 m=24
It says h=6 m=46
